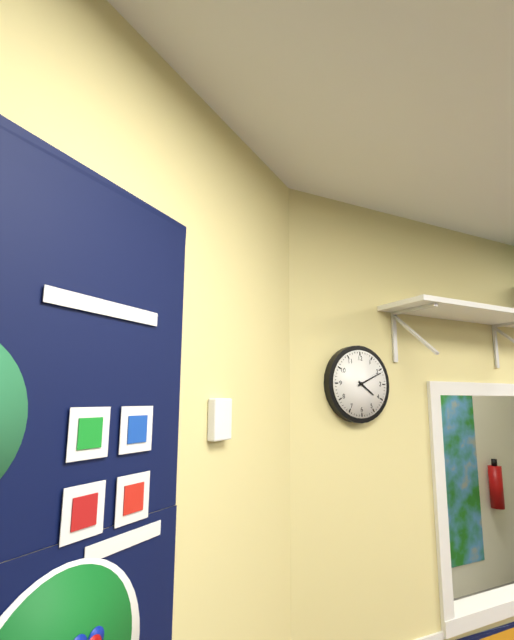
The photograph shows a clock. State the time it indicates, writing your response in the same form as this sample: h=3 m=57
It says h=4 m=11
